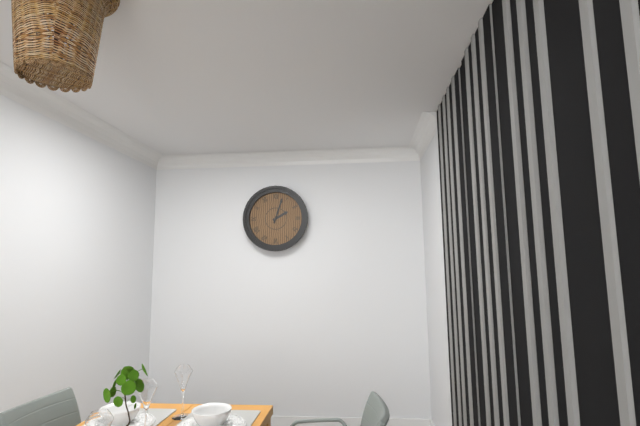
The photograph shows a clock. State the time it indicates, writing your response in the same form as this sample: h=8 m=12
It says h=2 m=3
